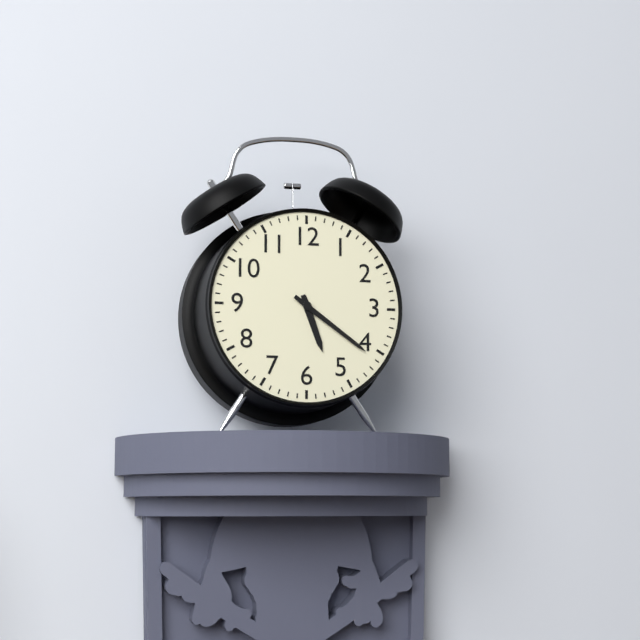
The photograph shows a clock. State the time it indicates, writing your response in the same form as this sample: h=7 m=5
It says h=5 m=21
